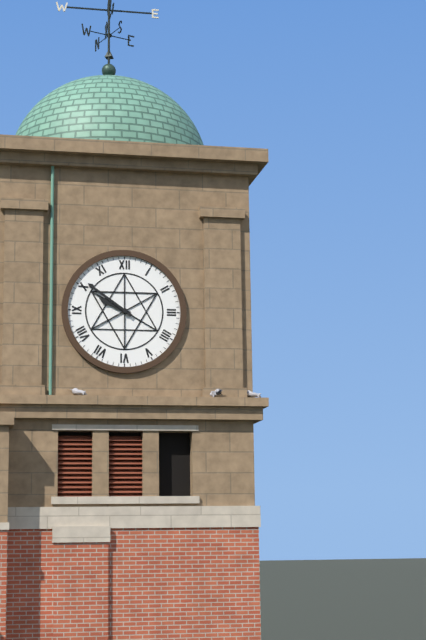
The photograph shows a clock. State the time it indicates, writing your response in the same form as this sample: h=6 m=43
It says h=9 m=51
